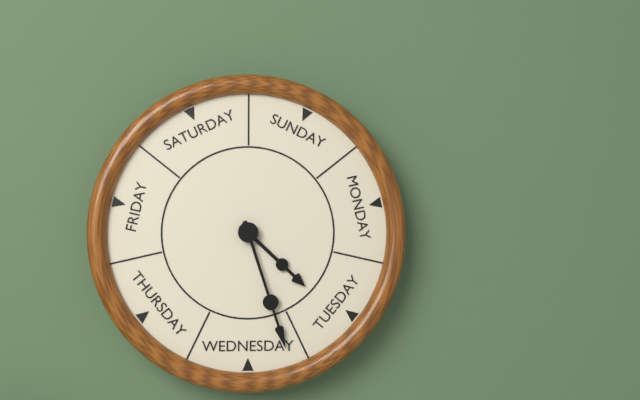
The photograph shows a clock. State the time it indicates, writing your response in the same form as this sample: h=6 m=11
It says h=4 m=27
